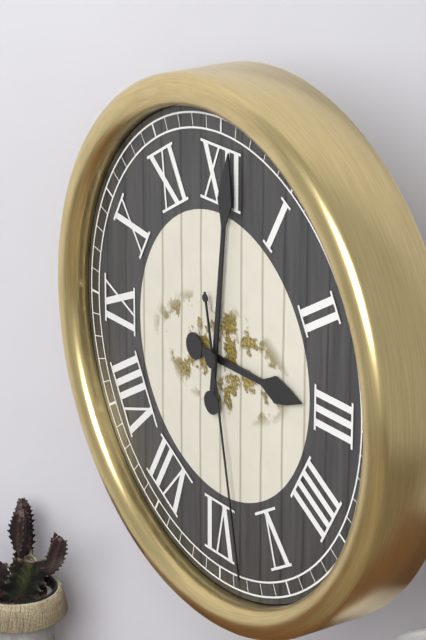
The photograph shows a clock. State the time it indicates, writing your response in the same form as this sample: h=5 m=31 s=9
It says h=3 m=1 s=28
